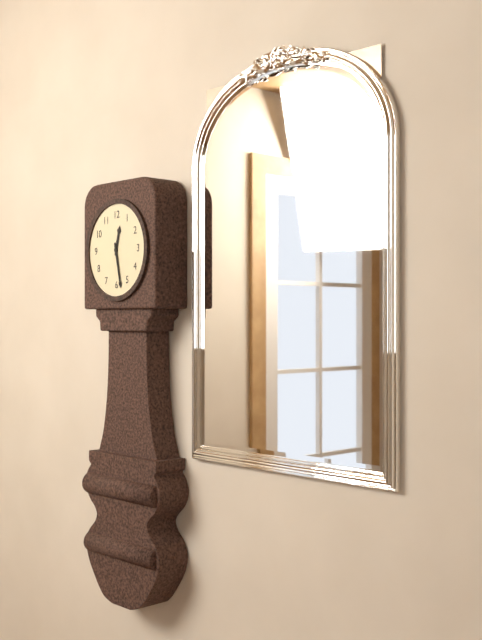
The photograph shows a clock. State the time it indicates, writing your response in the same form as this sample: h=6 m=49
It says h=12 m=28
